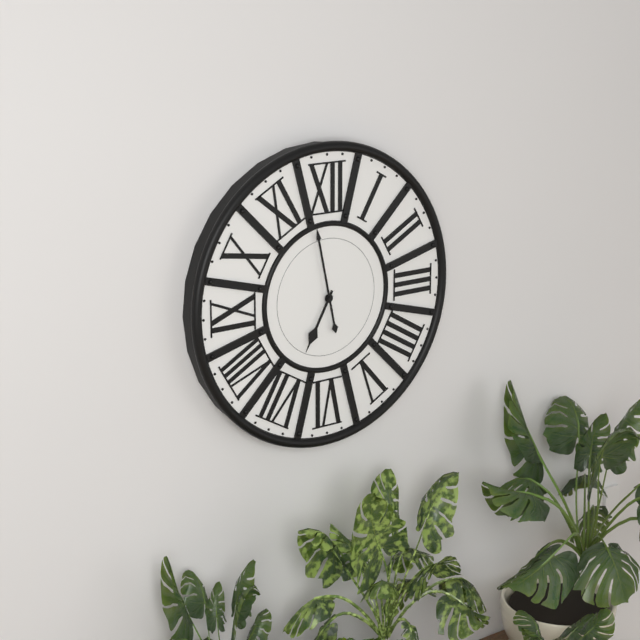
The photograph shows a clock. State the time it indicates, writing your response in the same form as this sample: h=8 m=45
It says h=6 m=58
